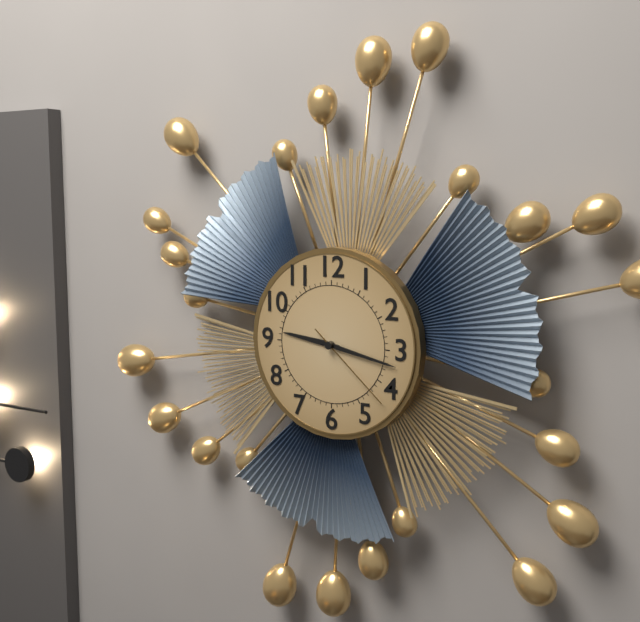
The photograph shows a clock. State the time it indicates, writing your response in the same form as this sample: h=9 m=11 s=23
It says h=9 m=17 s=22
